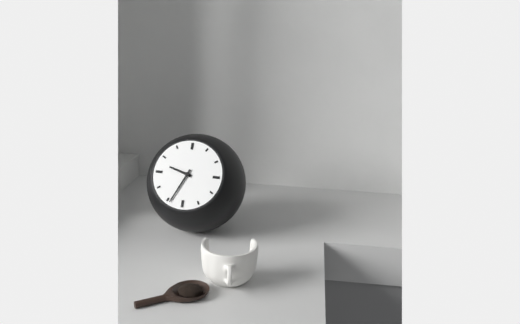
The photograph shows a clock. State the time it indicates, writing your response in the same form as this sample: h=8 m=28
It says h=9 m=34
